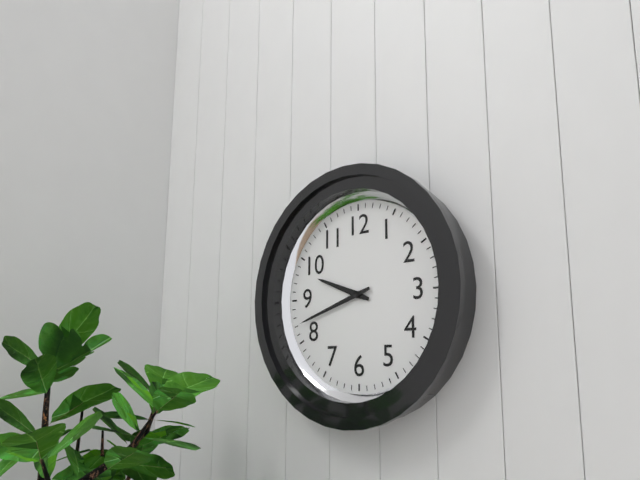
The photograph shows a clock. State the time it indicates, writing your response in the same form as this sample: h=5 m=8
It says h=9 m=42
